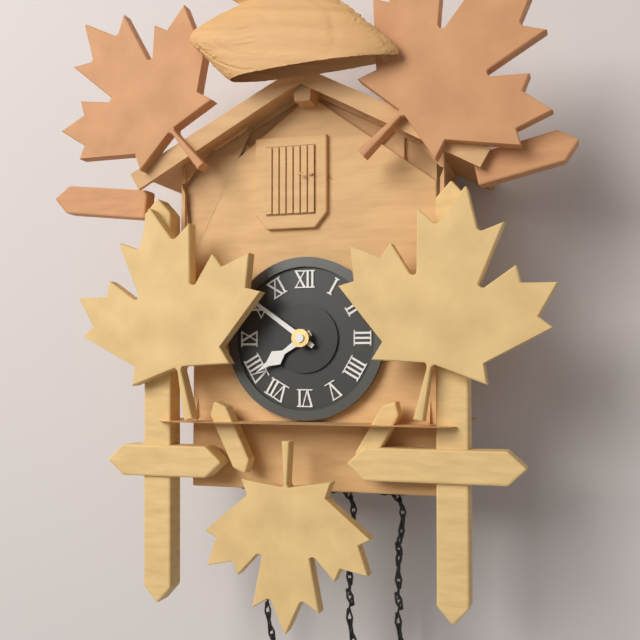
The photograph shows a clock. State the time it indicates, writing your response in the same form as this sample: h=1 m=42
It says h=7 m=51
